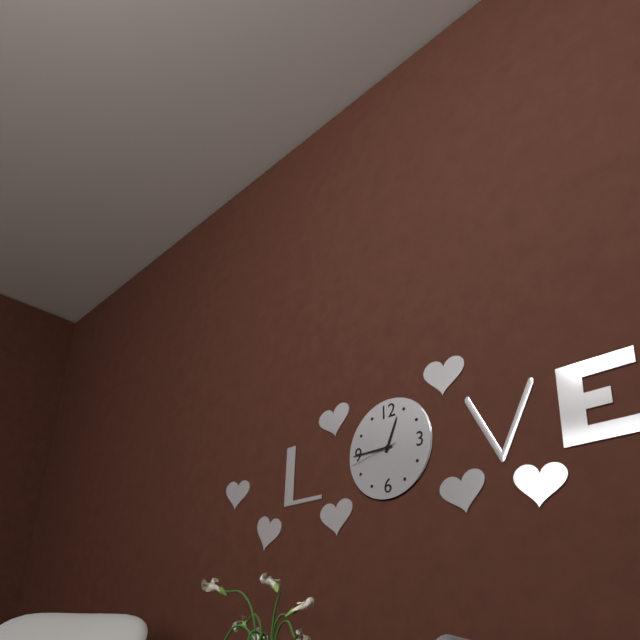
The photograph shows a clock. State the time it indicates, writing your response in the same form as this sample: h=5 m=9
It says h=12 m=45
